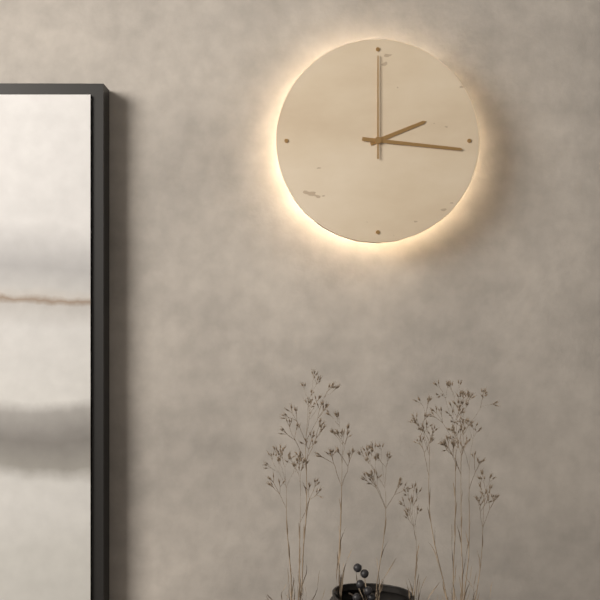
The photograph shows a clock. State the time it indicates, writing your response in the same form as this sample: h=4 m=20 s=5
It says h=2 m=16 s=0
